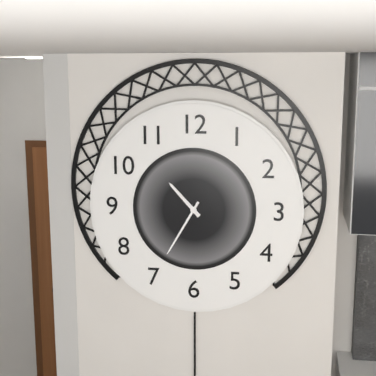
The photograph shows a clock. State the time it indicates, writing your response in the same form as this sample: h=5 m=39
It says h=10 m=35
